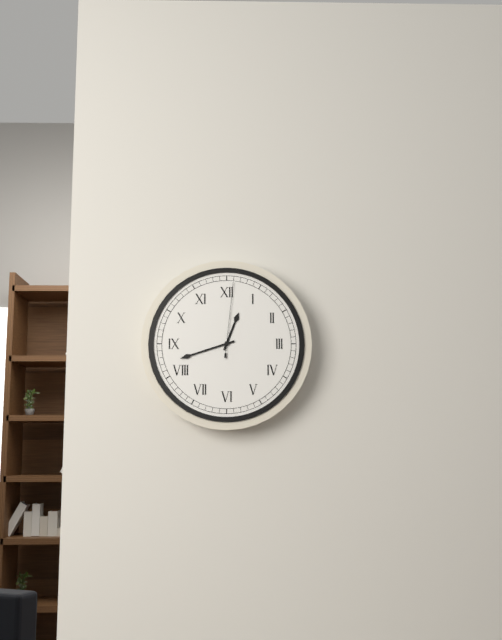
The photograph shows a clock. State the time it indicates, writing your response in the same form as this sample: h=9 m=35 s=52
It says h=12 m=42 s=1
